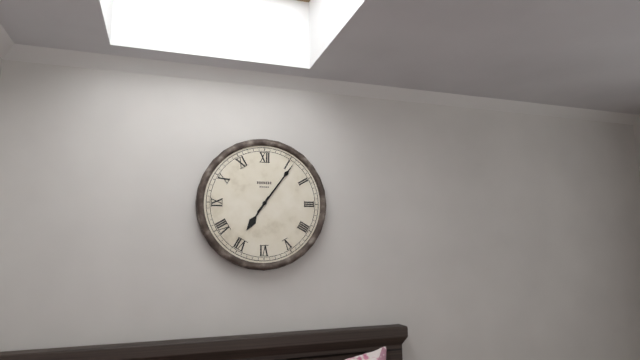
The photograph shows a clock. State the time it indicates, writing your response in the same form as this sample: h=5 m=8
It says h=7 m=6
